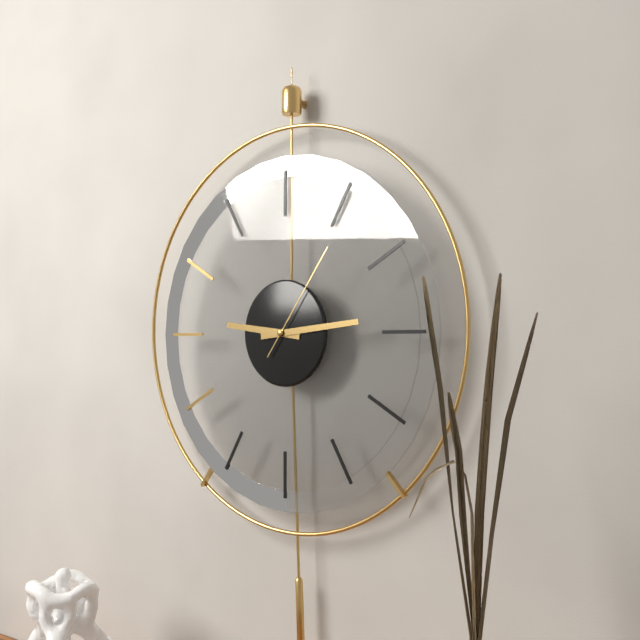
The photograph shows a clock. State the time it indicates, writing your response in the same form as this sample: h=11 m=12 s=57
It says h=9 m=14 s=6
